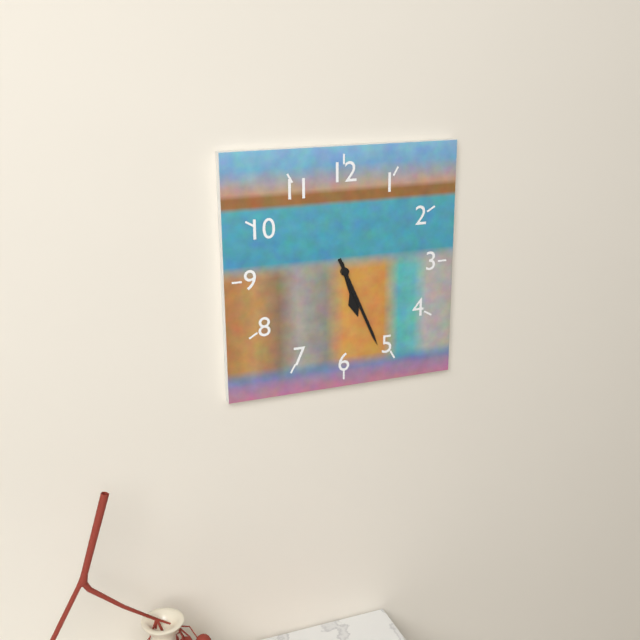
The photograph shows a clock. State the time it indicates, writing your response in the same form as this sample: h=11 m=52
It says h=5 m=26
